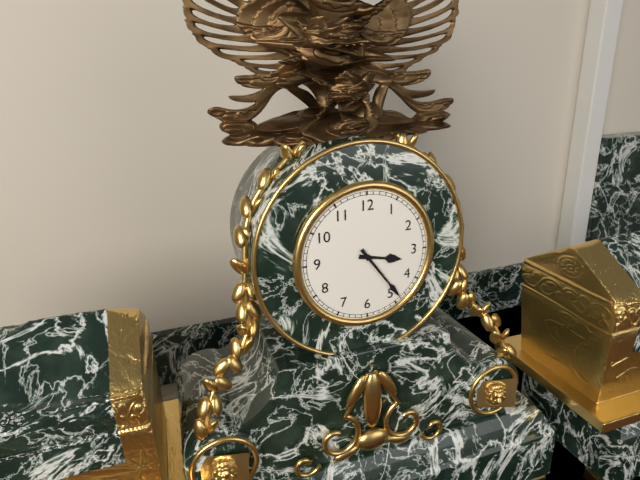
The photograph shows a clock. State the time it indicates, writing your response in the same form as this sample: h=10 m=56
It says h=3 m=24
